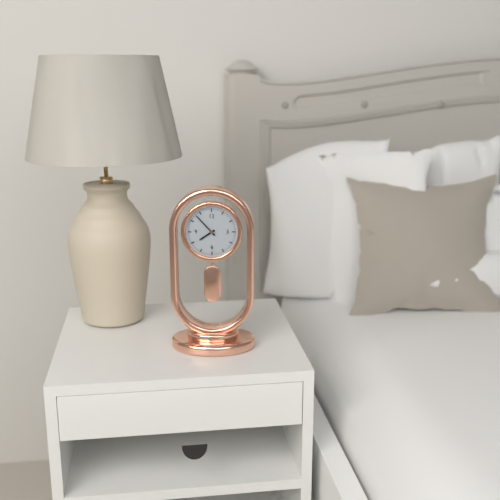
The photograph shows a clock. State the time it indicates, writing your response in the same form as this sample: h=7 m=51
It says h=7 m=53
